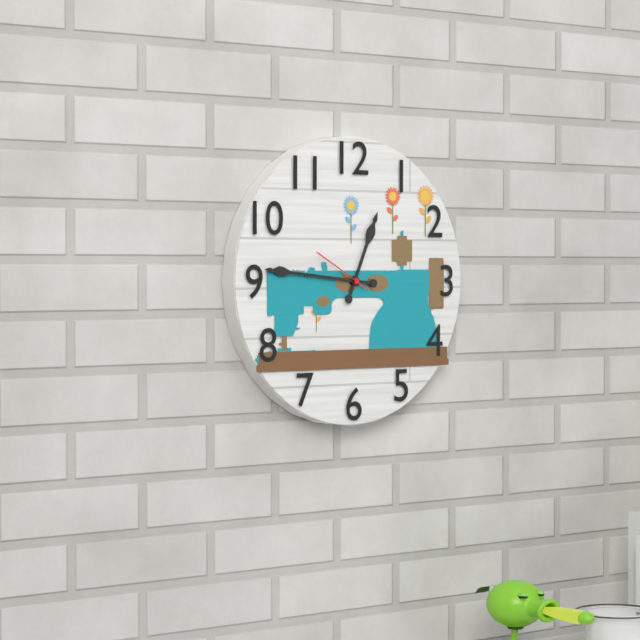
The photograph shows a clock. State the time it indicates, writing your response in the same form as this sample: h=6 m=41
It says h=12 m=46
